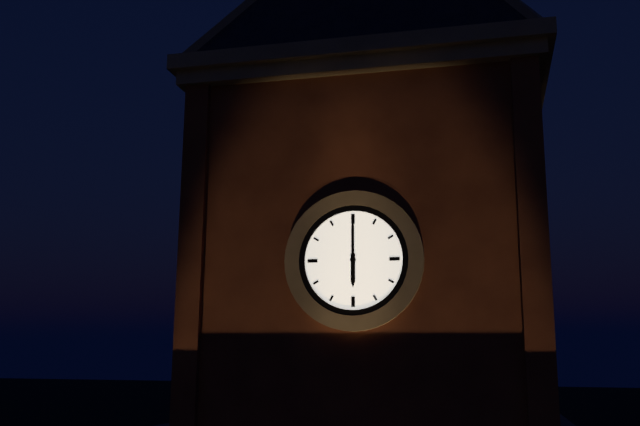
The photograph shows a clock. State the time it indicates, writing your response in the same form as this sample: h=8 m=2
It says h=6 m=0
